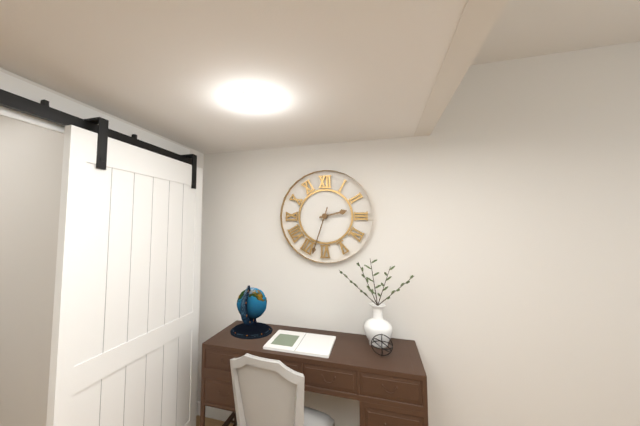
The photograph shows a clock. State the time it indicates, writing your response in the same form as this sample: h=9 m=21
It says h=2 m=33
